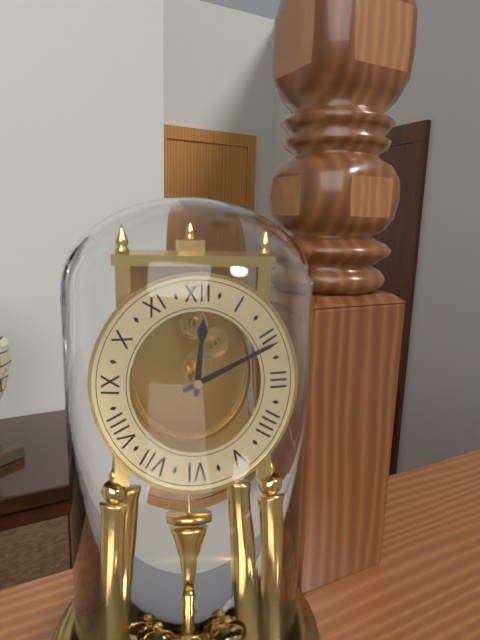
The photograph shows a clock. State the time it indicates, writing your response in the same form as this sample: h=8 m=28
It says h=12 m=11
